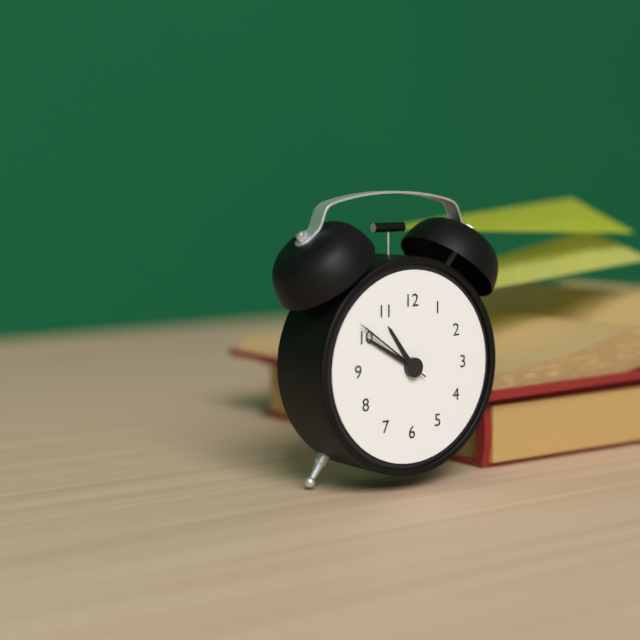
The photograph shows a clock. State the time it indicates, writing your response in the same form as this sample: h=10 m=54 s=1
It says h=10 m=50 s=51
